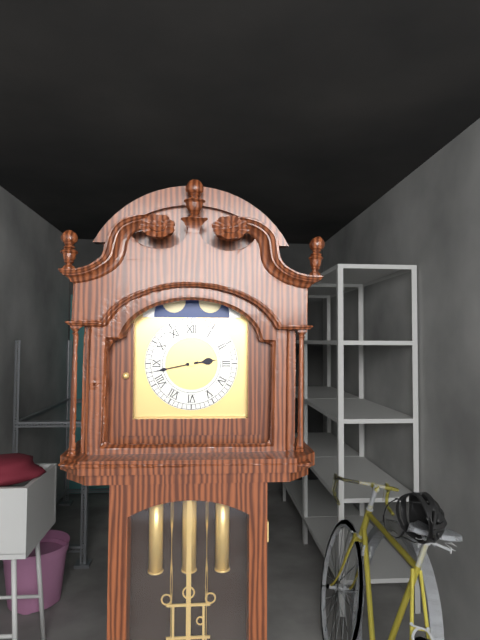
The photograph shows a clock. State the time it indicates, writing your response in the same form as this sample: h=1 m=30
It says h=2 m=43
